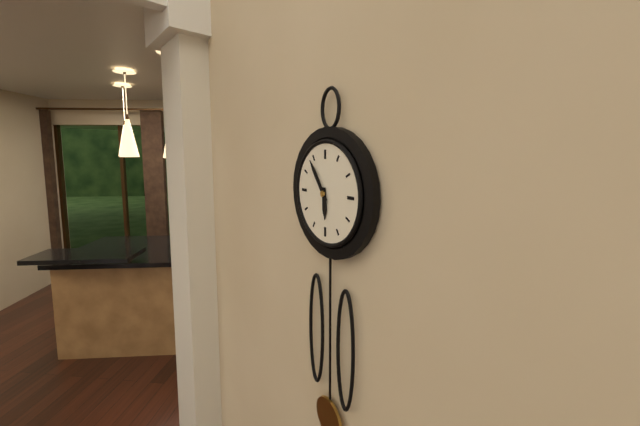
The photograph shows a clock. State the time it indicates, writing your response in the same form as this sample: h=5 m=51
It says h=5 m=54
